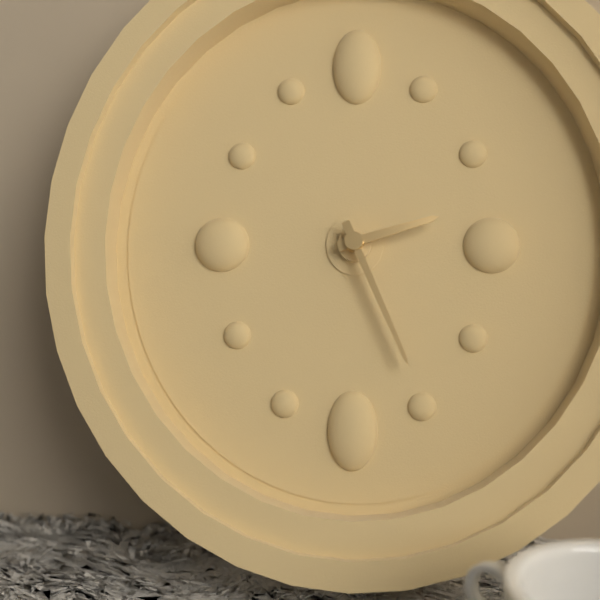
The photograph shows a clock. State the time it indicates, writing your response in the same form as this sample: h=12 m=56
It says h=2 m=26
